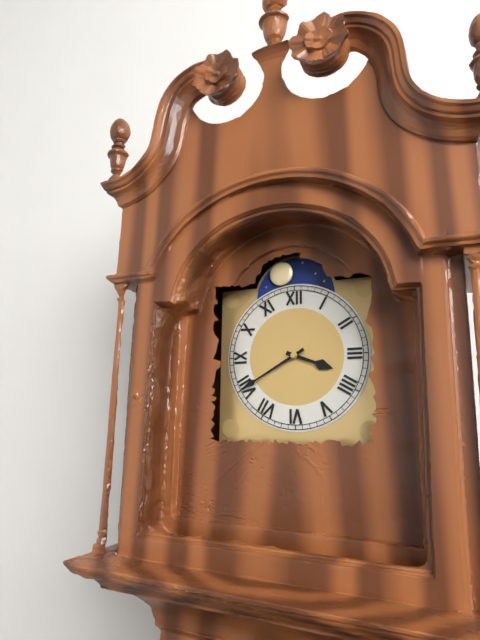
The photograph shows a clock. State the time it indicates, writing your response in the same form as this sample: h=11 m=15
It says h=3 m=40
